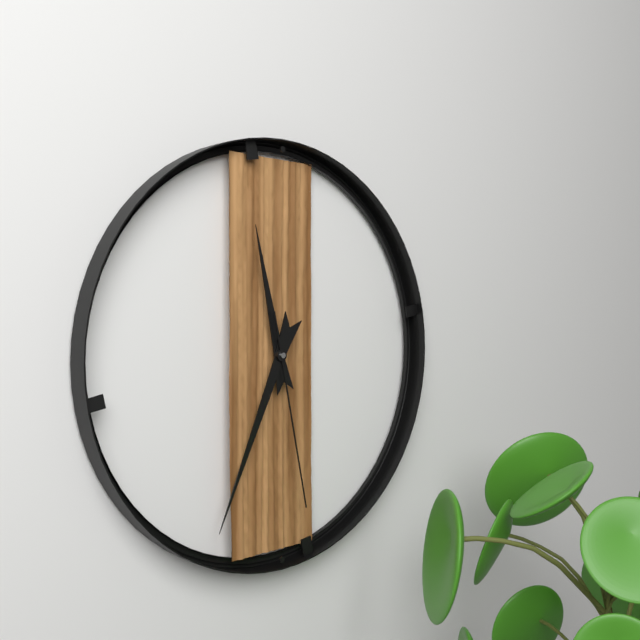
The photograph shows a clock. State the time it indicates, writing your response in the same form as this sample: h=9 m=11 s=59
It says h=11 m=34 s=28
